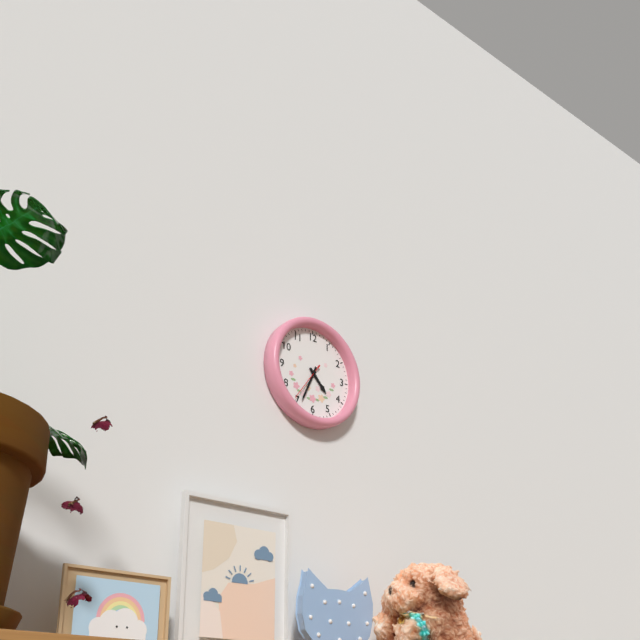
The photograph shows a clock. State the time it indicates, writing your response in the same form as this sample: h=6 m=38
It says h=4 m=34
